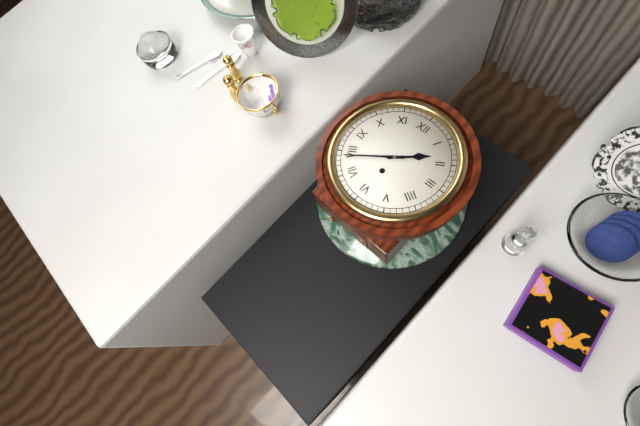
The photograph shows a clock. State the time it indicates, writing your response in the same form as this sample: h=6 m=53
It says h=1 m=39
